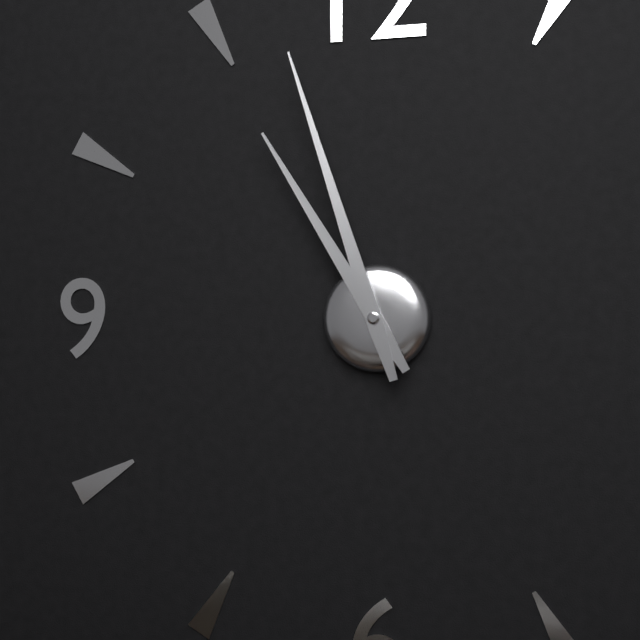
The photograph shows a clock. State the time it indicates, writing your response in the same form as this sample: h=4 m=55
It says h=10 m=57
